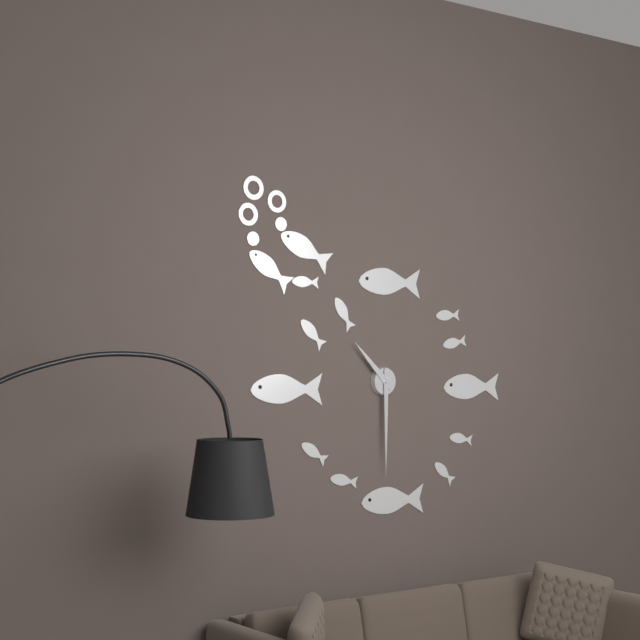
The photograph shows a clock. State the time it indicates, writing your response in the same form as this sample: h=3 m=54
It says h=10 m=30
